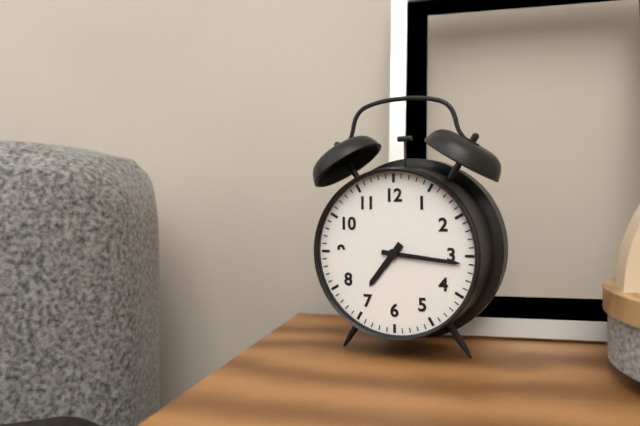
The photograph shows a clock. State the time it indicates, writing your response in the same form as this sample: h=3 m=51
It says h=7 m=16
